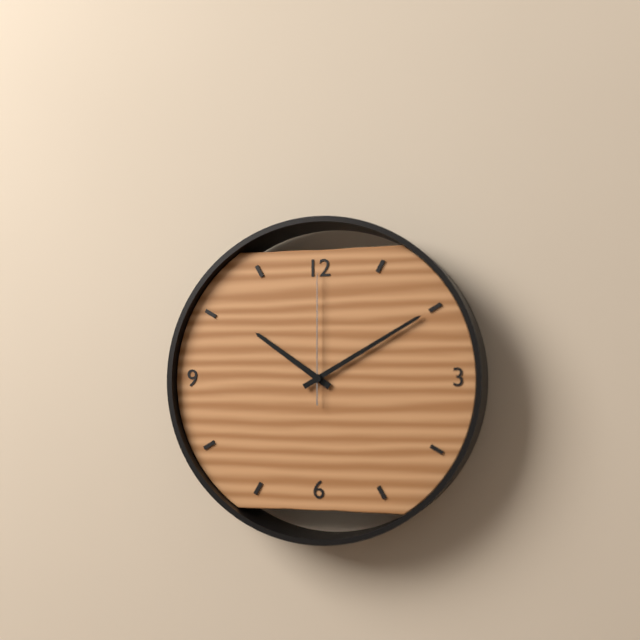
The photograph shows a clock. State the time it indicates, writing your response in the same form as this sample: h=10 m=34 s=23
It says h=10 m=10 s=0
